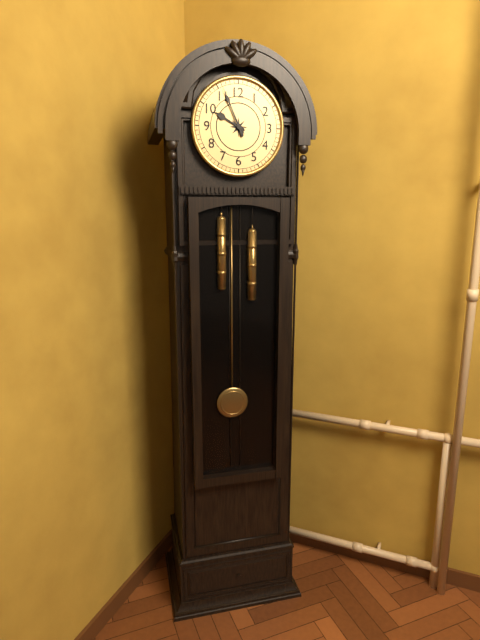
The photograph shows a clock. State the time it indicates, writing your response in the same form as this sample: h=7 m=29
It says h=9 m=56
